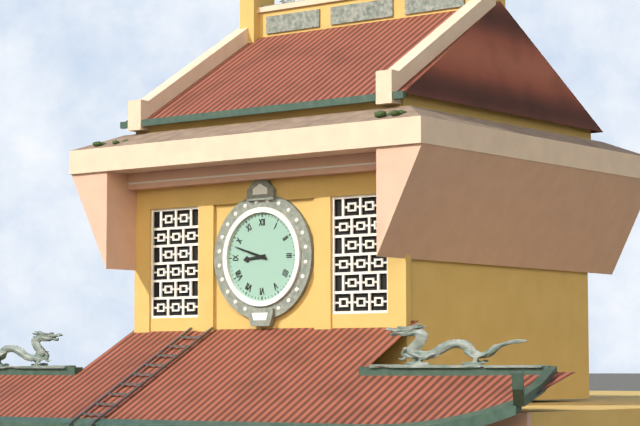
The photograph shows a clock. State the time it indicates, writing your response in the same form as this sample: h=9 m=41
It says h=8 m=48
